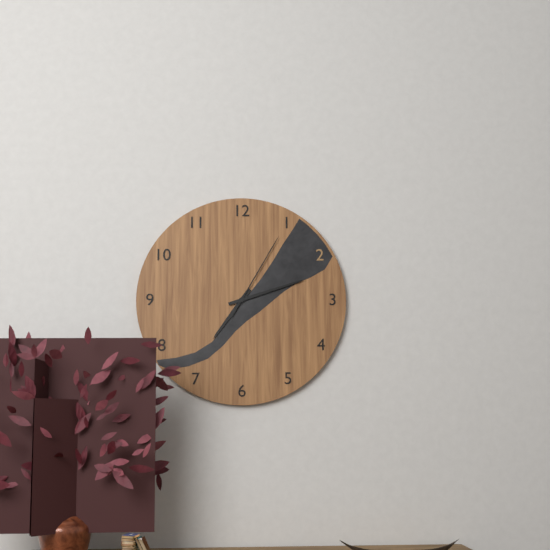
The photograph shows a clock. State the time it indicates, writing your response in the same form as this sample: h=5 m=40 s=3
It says h=7 m=12 s=5
